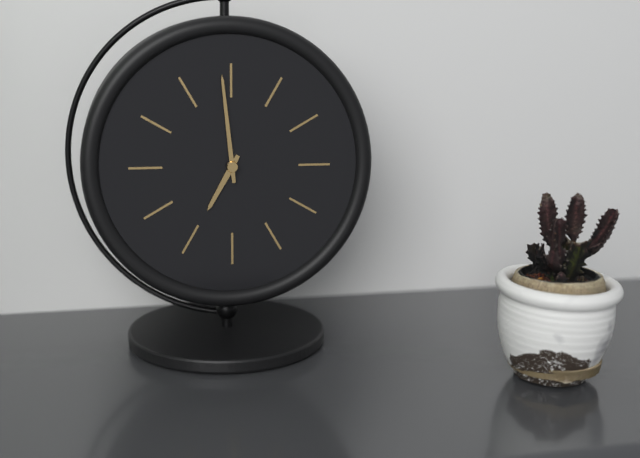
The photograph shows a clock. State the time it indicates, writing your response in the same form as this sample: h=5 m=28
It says h=6 m=59
